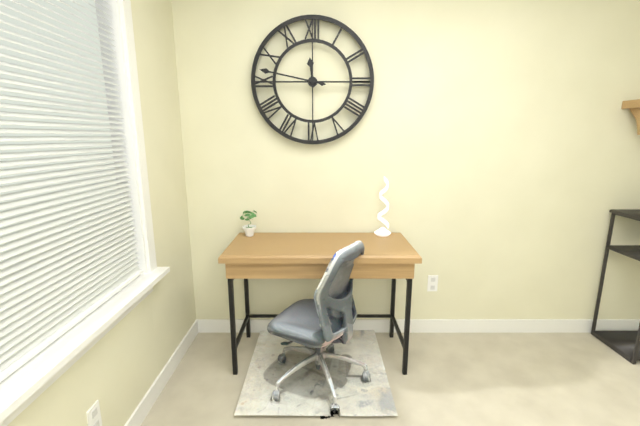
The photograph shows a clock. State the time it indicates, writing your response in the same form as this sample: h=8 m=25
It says h=11 m=47
